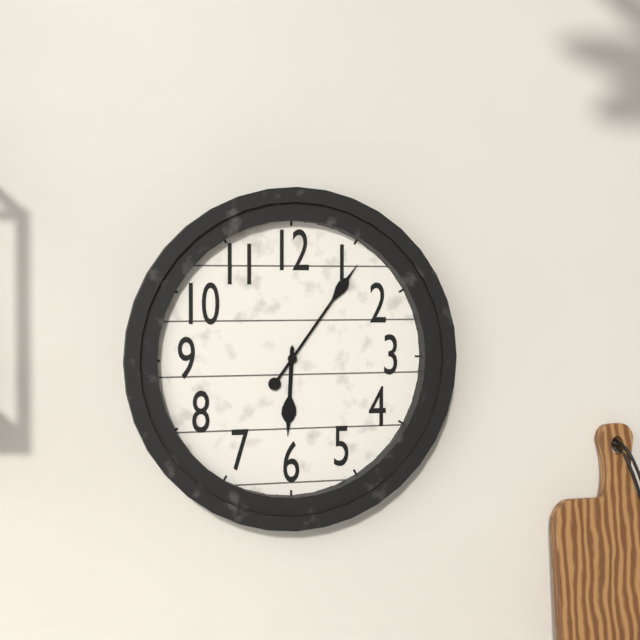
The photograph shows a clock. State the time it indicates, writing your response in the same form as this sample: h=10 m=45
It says h=6 m=6
